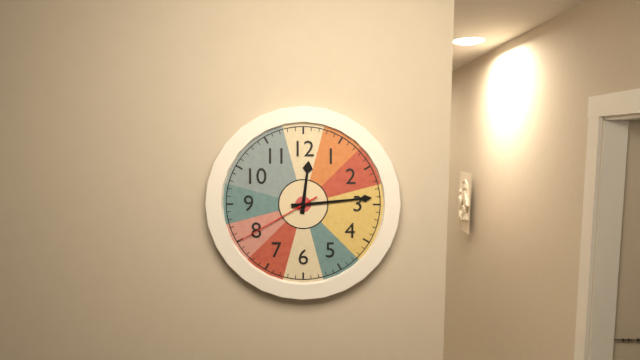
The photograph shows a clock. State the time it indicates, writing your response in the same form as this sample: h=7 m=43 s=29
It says h=12 m=14 s=40
